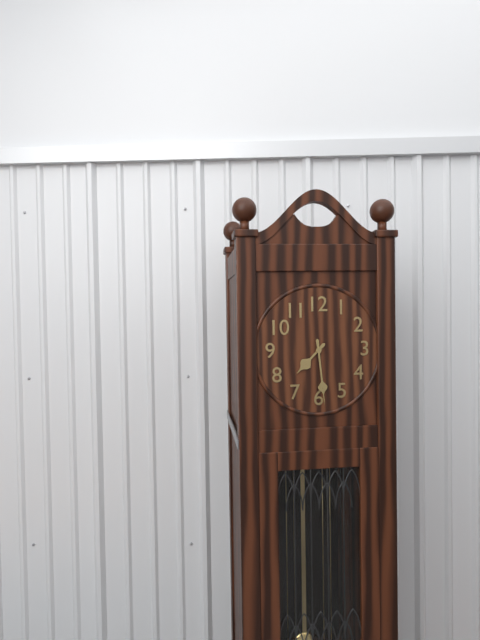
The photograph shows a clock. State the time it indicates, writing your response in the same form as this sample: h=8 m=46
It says h=7 m=29
